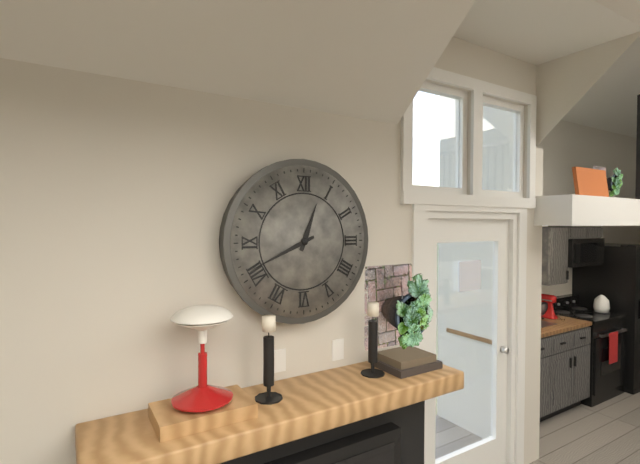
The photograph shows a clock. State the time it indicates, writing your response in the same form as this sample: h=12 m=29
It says h=12 m=41
